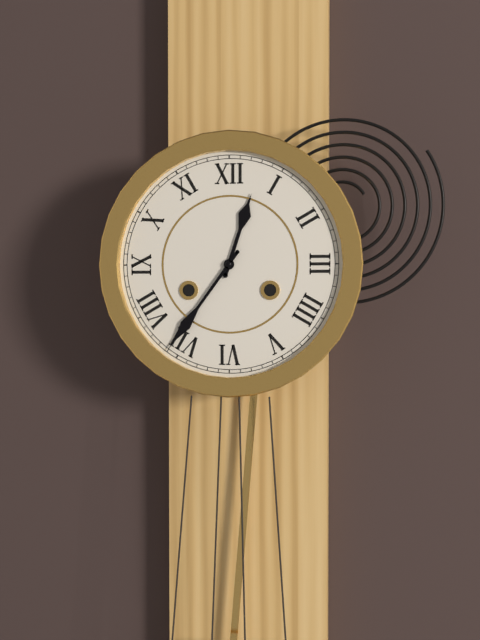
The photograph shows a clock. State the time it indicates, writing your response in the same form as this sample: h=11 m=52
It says h=12 m=36
